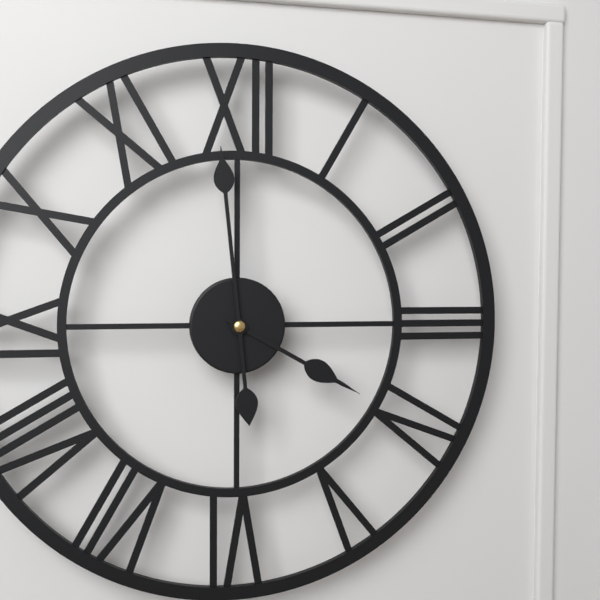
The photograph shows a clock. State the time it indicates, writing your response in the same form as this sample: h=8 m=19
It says h=3 m=59
